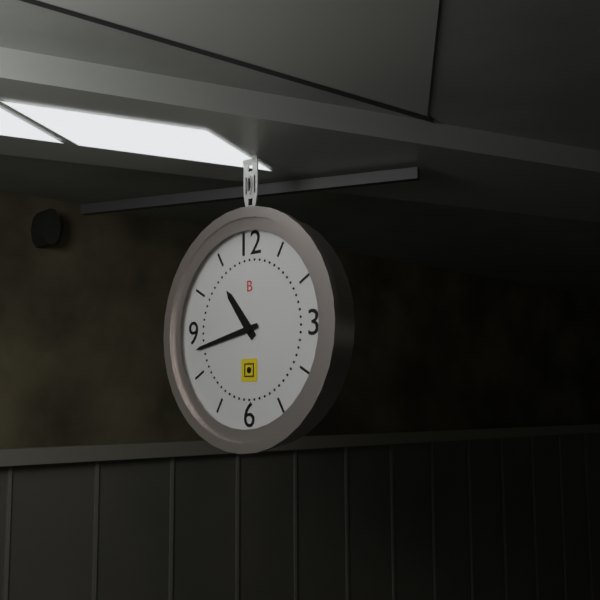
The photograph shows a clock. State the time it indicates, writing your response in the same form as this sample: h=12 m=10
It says h=10 m=43
